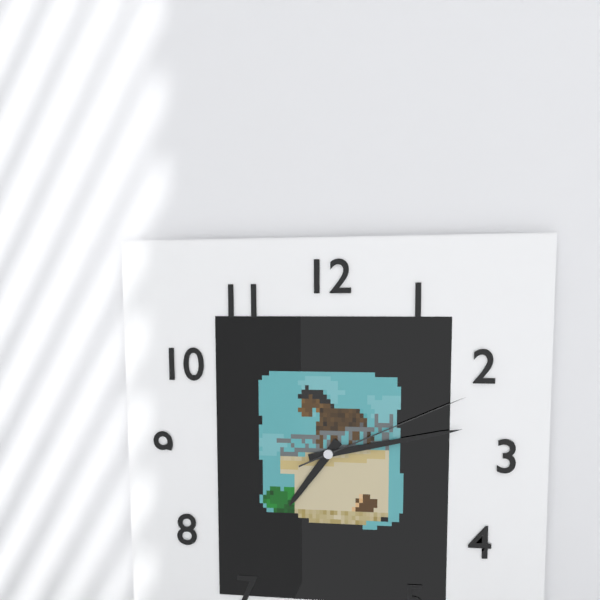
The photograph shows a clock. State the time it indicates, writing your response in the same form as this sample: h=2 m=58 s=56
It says h=7 m=13 s=11
